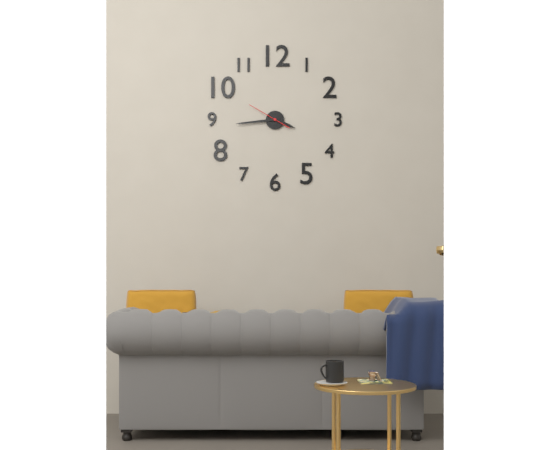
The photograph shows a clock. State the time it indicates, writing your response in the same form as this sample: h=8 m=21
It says h=3 m=44
